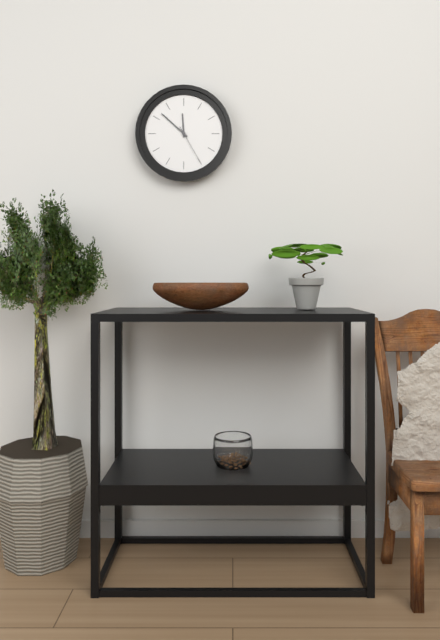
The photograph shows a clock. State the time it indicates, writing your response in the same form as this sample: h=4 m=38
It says h=11 m=52
